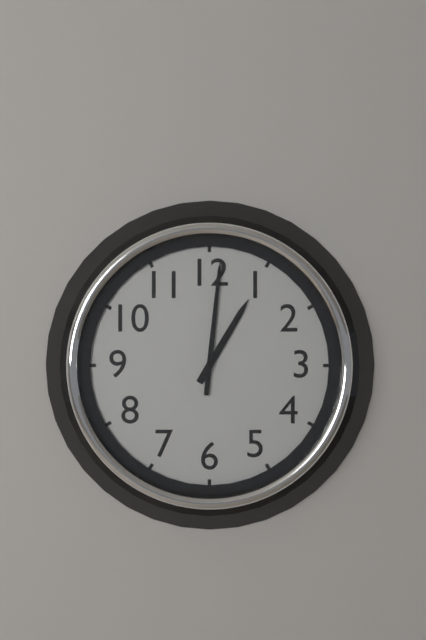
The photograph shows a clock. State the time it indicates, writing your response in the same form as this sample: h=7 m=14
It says h=1 m=1
